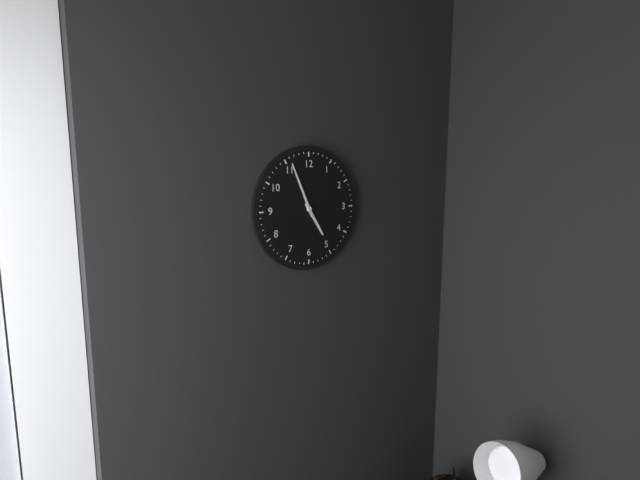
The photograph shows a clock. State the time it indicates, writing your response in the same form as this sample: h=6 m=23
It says h=4 m=56
